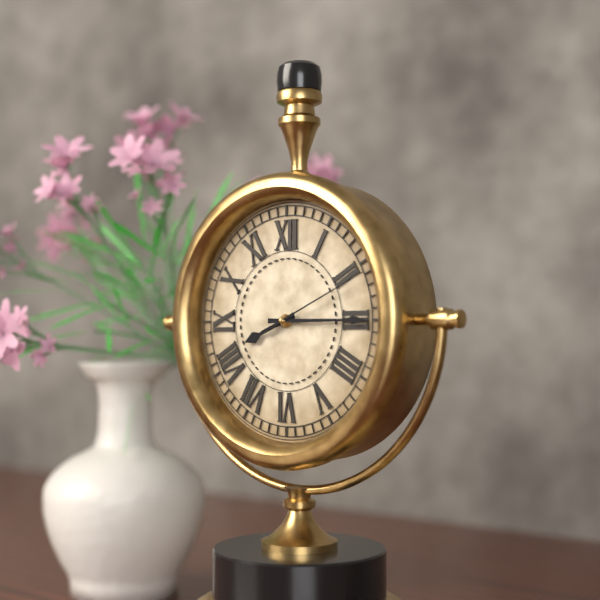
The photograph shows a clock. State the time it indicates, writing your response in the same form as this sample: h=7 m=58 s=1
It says h=8 m=15 s=11
